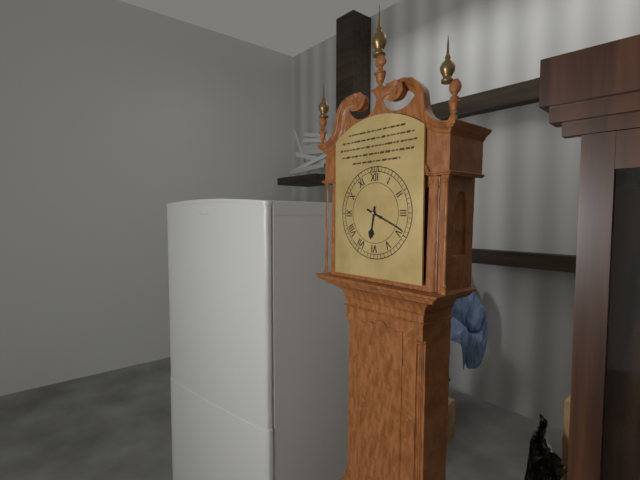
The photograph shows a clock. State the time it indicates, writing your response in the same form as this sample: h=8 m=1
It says h=6 m=19
